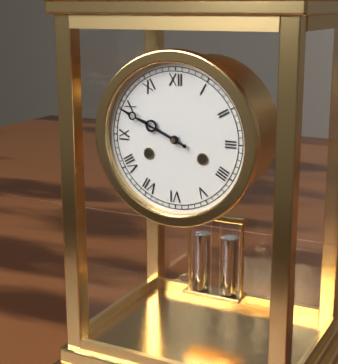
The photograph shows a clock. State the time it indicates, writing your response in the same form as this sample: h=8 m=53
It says h=9 m=49
